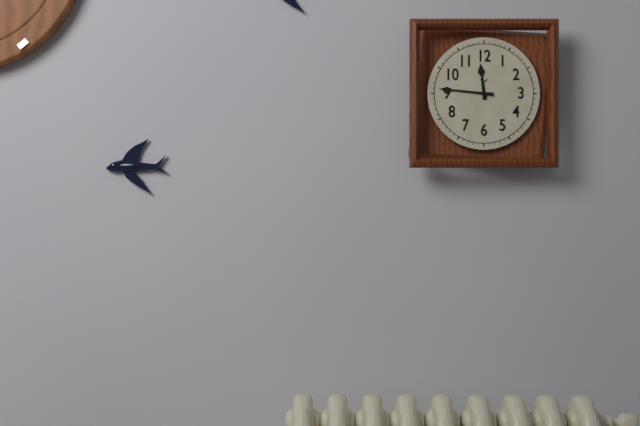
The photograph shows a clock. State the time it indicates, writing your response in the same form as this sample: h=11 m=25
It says h=11 m=46
